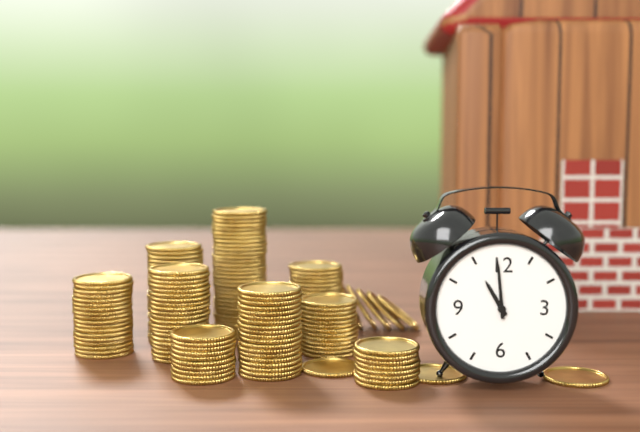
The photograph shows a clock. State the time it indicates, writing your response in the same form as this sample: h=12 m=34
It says h=10 m=59
